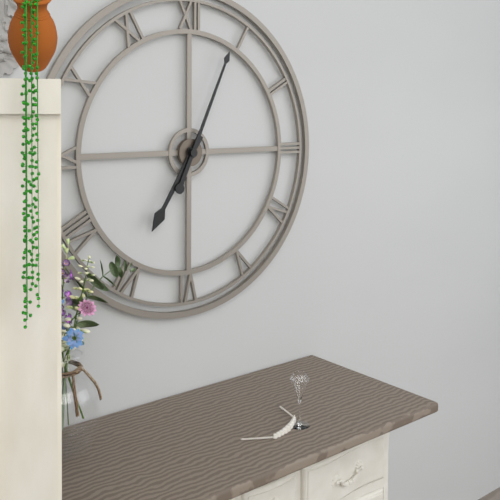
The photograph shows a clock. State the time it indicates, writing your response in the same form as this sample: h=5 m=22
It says h=7 m=4
